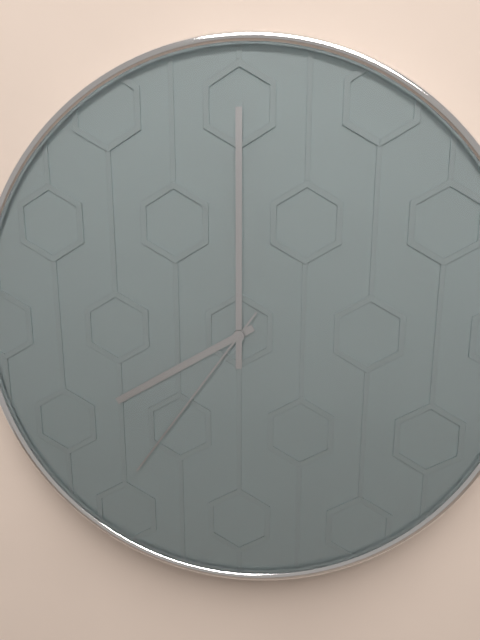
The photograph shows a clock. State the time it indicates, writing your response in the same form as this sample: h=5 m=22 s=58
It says h=8 m=0 s=36
